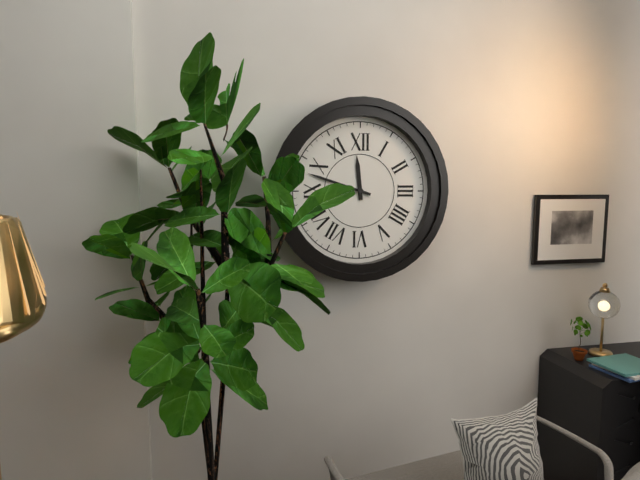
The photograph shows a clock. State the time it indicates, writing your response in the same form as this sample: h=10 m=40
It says h=11 m=48
